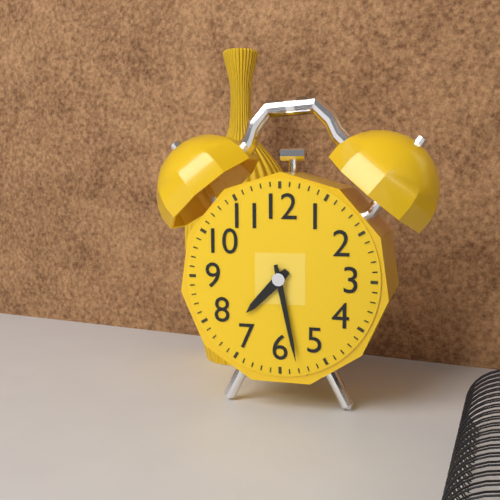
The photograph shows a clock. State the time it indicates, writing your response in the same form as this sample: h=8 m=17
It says h=7 m=28
